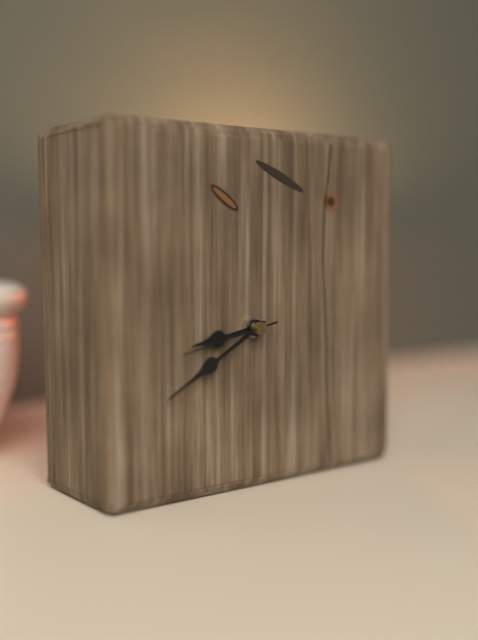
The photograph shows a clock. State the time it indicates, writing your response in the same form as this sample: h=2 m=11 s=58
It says h=8 m=40 s=43
